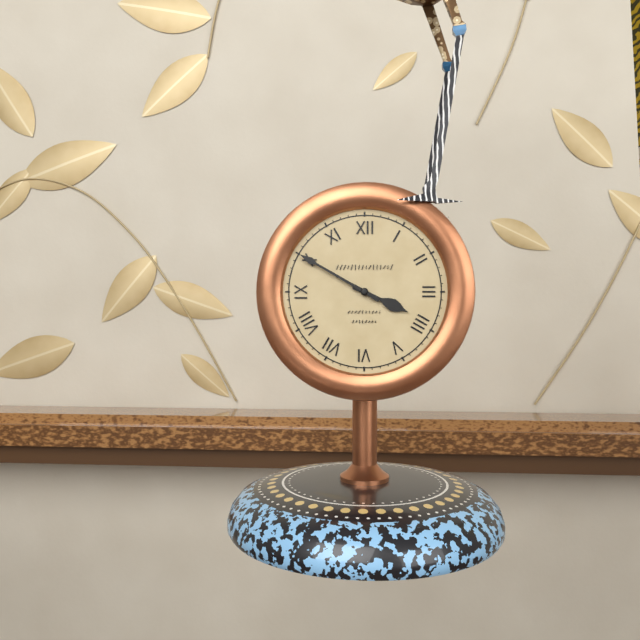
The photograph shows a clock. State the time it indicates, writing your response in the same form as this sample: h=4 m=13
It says h=3 m=50
